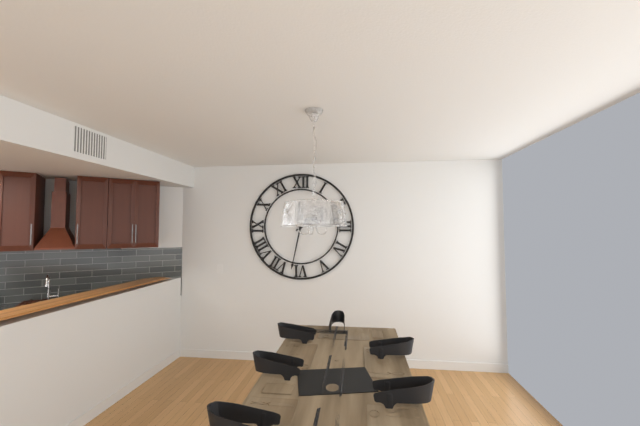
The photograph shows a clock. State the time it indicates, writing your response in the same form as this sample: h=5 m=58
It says h=1 m=32
